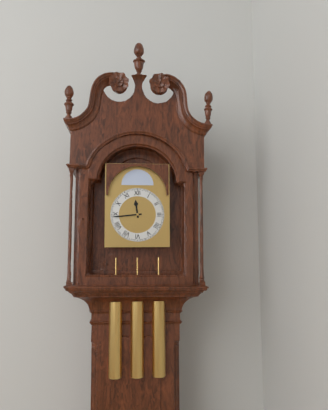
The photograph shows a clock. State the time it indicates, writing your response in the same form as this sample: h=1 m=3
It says h=11 m=44
